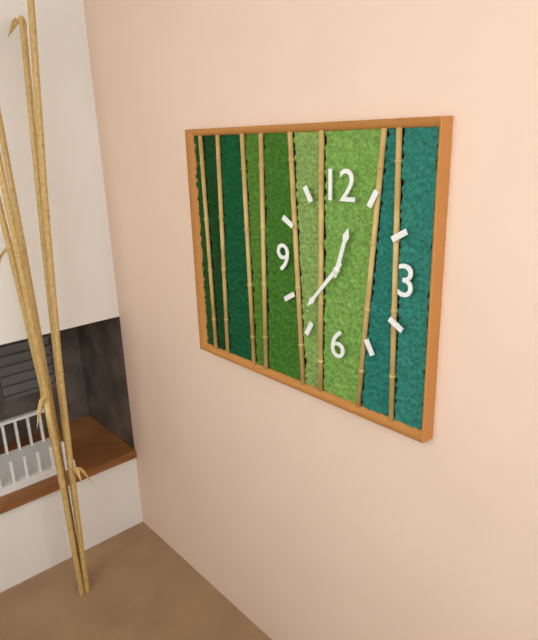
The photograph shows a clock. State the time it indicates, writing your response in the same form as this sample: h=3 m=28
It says h=12 m=37
